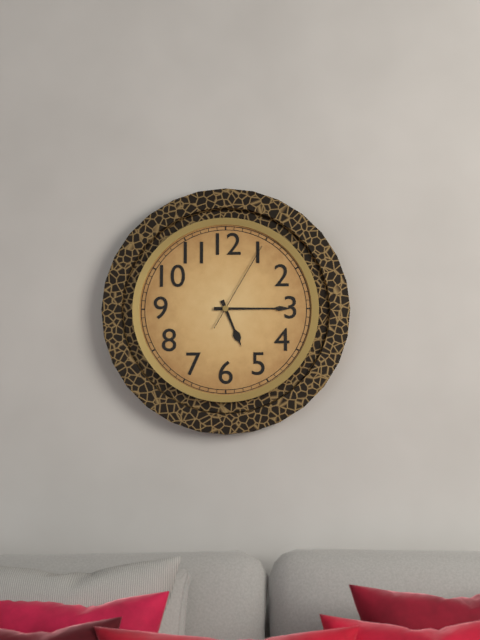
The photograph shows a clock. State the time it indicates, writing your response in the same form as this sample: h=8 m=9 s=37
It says h=5 m=15 s=5
